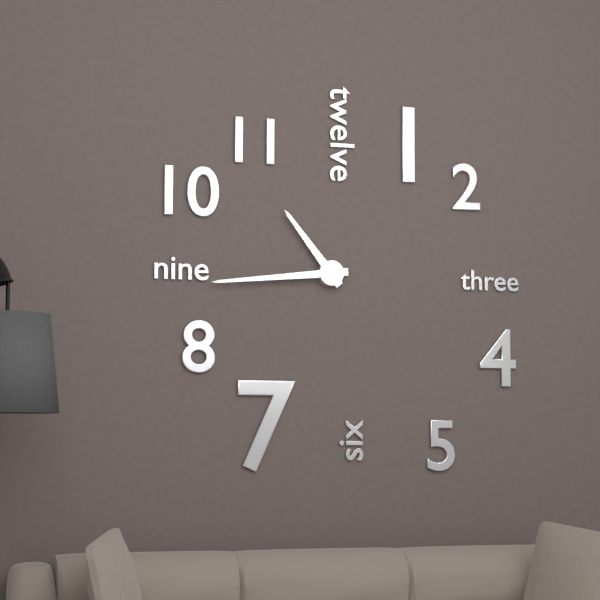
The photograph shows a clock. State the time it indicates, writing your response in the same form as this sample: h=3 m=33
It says h=10 m=44
